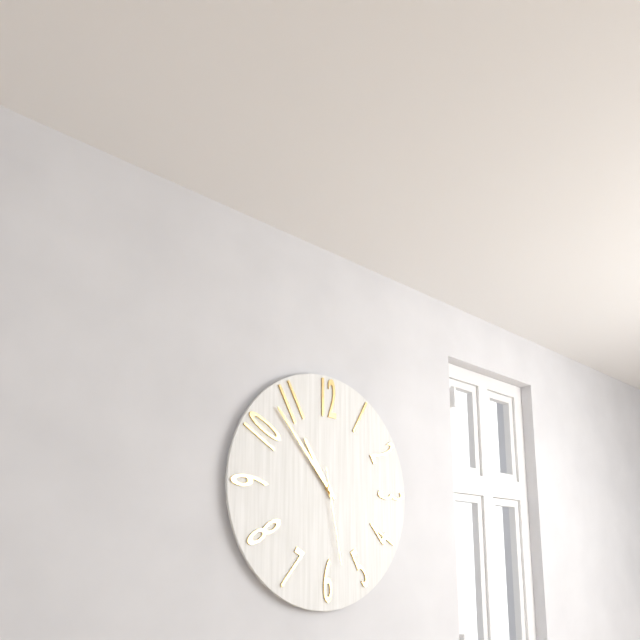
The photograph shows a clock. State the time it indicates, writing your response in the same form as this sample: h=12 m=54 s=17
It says h=10 m=53 s=28
